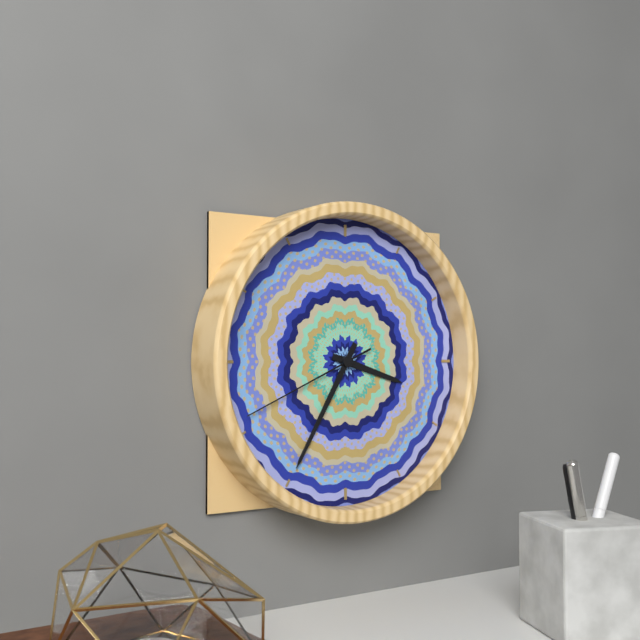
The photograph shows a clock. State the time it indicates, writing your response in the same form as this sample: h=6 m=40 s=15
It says h=3 m=35 s=41
